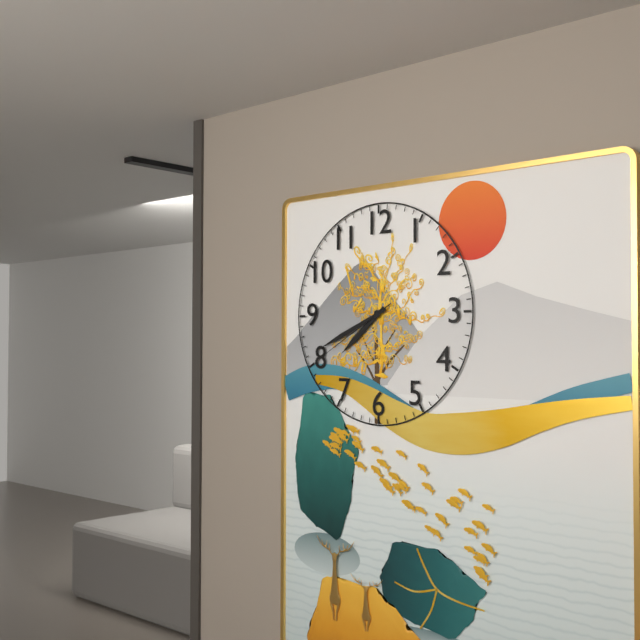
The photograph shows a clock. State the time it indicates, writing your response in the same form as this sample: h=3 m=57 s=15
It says h=7 m=41 s=40
